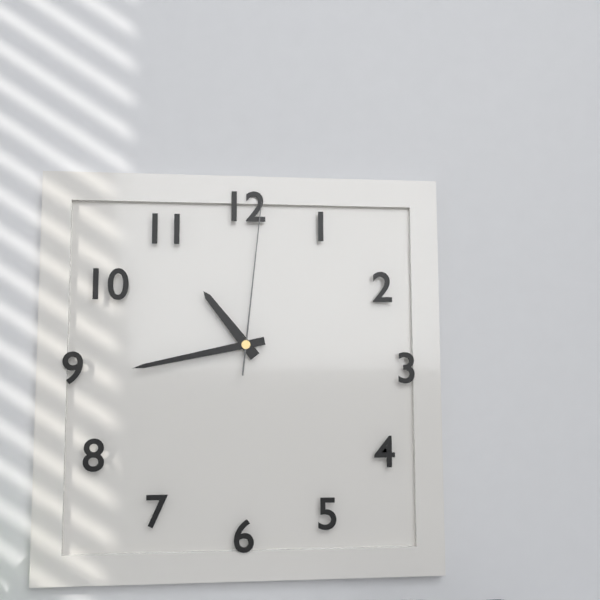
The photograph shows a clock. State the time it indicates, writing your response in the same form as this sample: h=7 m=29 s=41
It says h=10 m=43 s=1
